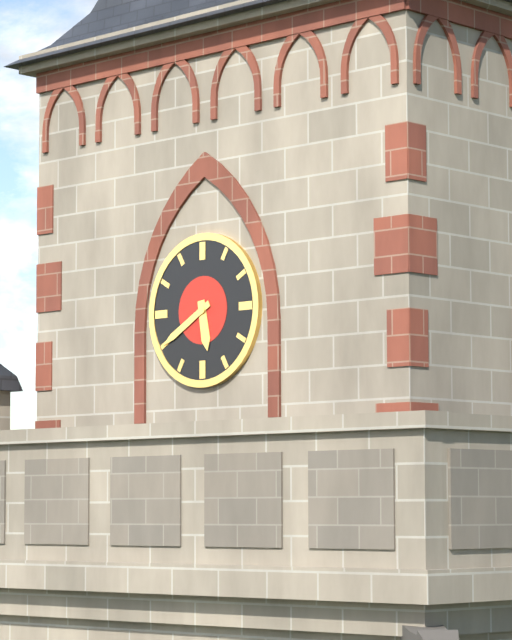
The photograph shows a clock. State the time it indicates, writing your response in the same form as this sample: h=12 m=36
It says h=5 m=40
